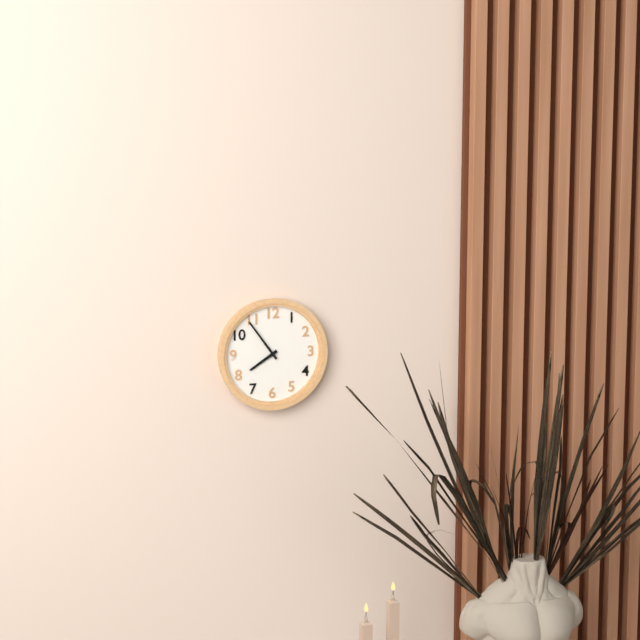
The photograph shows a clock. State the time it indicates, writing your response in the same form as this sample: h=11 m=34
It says h=7 m=54
